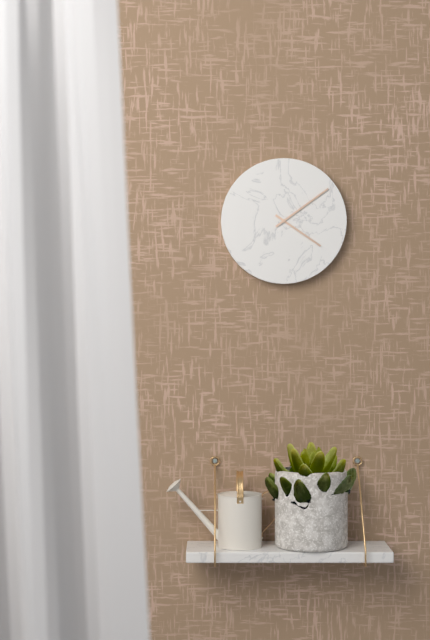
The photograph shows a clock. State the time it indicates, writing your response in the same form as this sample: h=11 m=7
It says h=4 m=9
